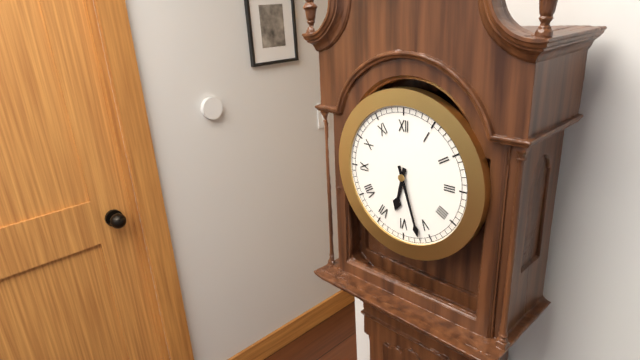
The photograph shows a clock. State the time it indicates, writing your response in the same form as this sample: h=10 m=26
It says h=6 m=27
